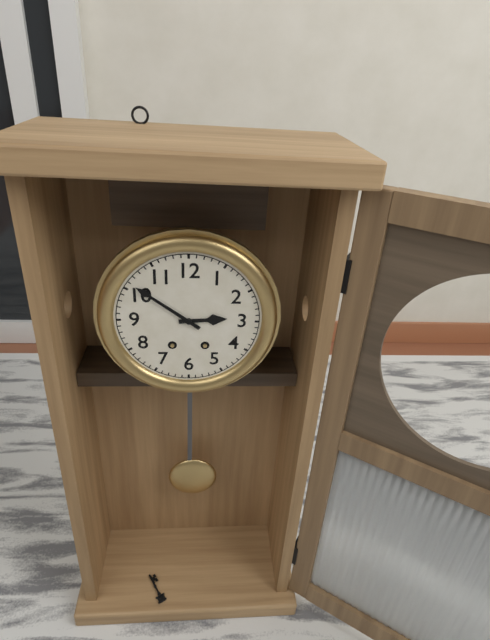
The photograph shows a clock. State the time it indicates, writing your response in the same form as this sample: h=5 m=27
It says h=2 m=51
